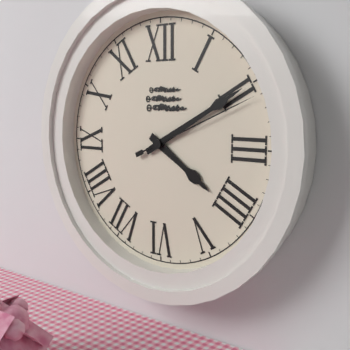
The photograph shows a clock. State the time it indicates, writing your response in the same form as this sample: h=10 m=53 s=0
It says h=4 m=10 s=11
